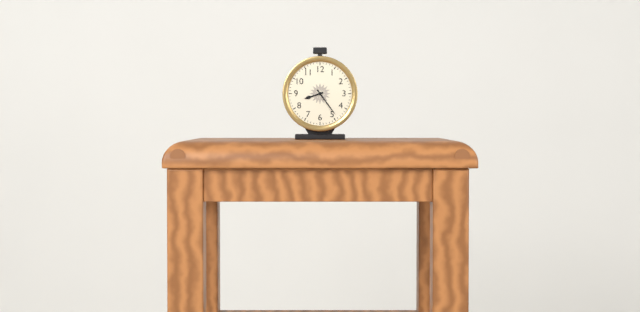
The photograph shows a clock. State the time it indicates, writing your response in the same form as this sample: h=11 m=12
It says h=8 m=24
